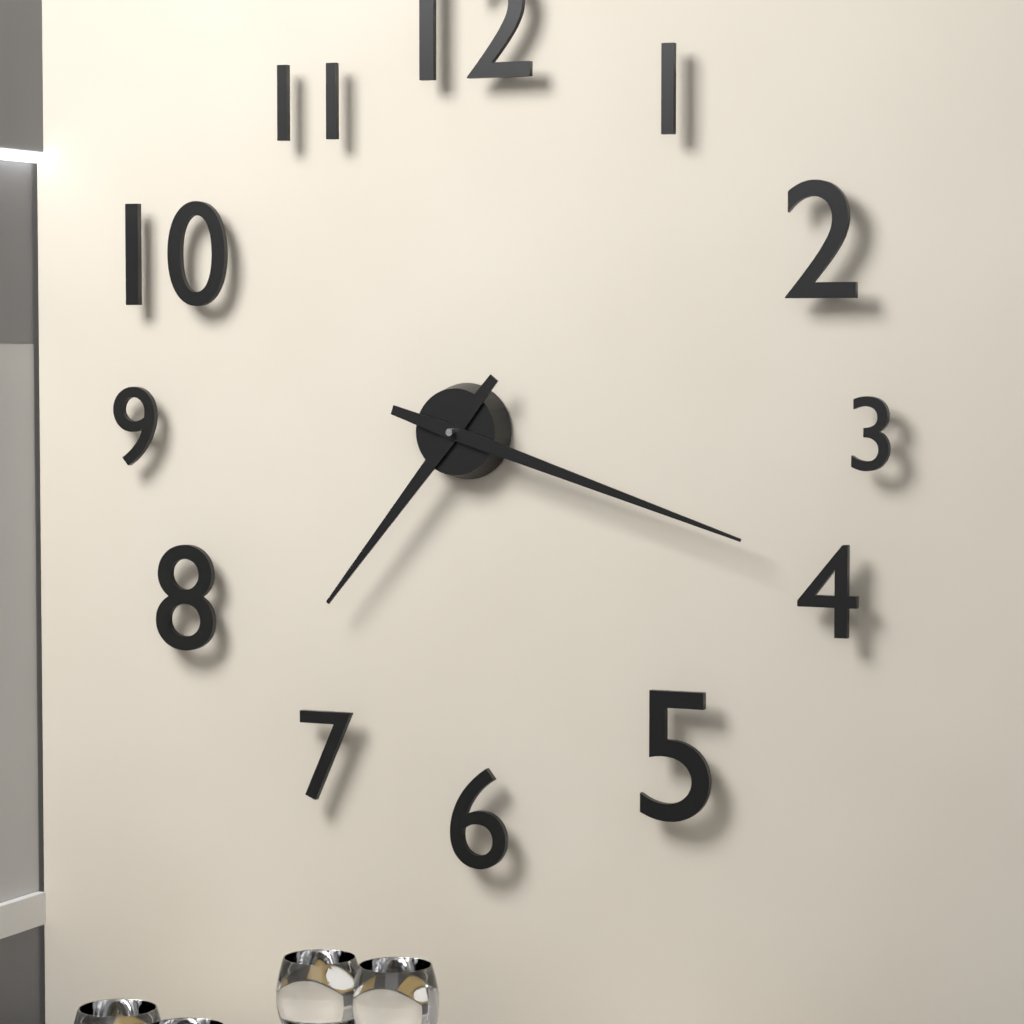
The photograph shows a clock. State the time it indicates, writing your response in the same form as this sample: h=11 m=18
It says h=7 m=18
